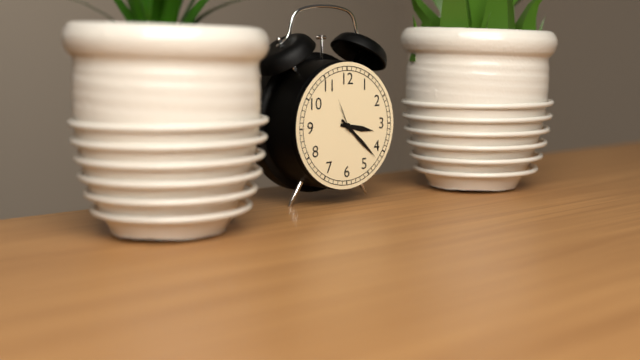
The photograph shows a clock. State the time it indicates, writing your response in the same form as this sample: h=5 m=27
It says h=3 m=22
